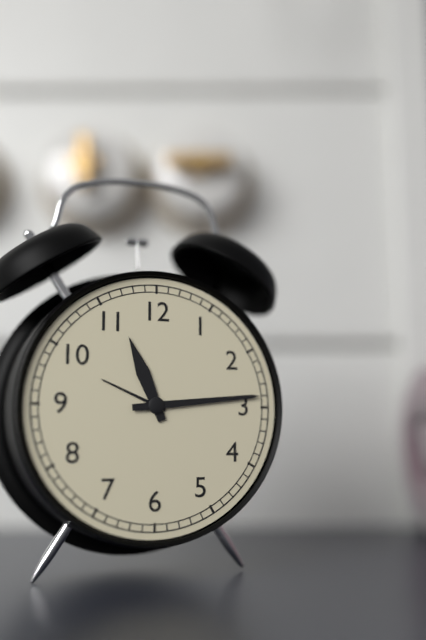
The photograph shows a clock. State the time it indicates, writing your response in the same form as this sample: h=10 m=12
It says h=11 m=14
